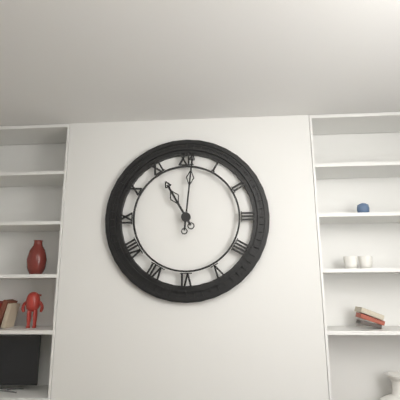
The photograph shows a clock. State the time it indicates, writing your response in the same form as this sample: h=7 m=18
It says h=11 m=1
